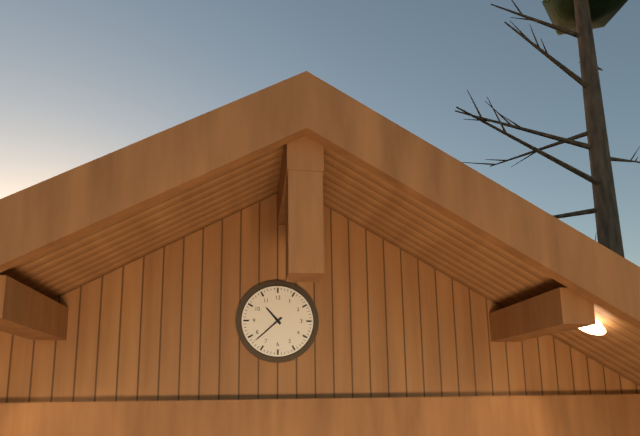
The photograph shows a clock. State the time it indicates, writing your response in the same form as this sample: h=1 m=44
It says h=10 m=38
